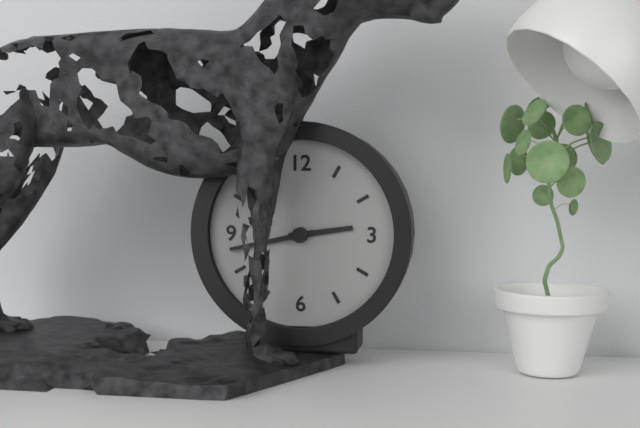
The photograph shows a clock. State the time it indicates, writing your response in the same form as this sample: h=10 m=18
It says h=2 m=43
